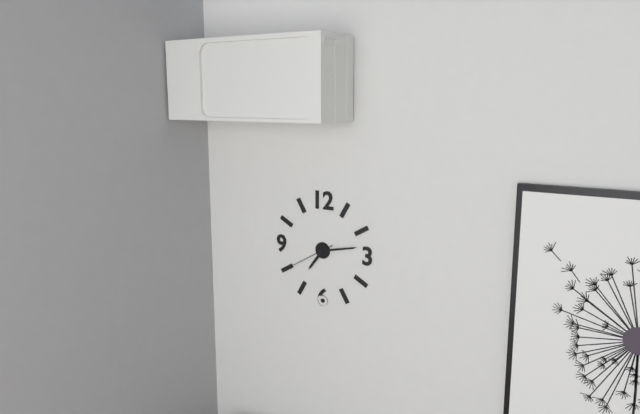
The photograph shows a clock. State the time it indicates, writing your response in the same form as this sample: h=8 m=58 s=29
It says h=7 m=13 s=40
